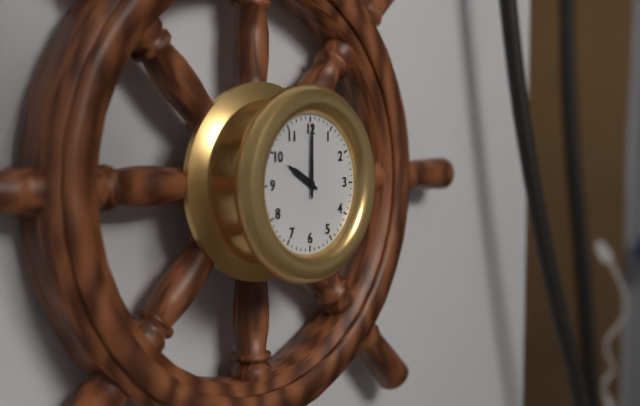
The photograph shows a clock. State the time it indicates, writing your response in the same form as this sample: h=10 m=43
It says h=10 m=0
